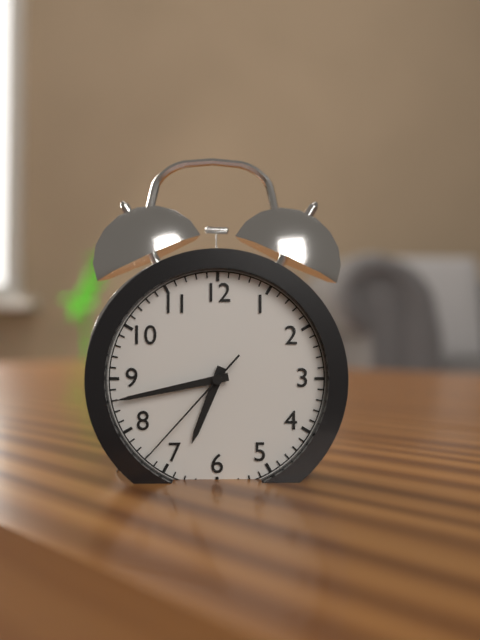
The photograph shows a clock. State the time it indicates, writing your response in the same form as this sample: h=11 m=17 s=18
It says h=6 m=43 s=37
